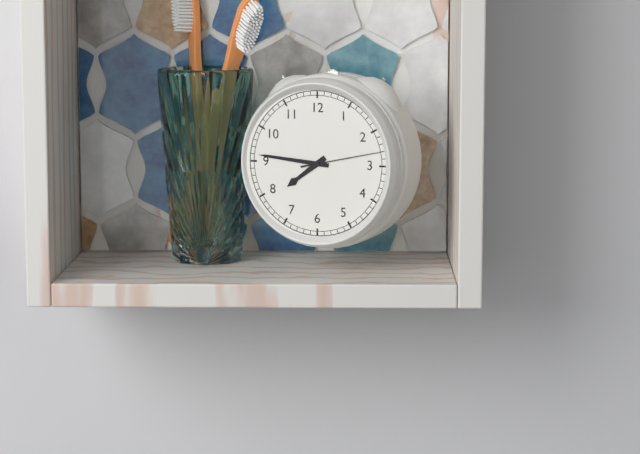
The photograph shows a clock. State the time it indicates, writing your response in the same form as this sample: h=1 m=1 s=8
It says h=7 m=46 s=13
